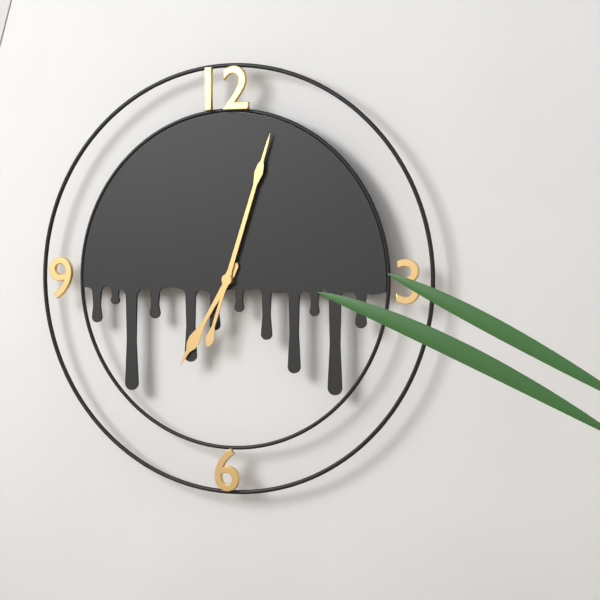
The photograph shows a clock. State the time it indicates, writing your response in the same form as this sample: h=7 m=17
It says h=7 m=3
